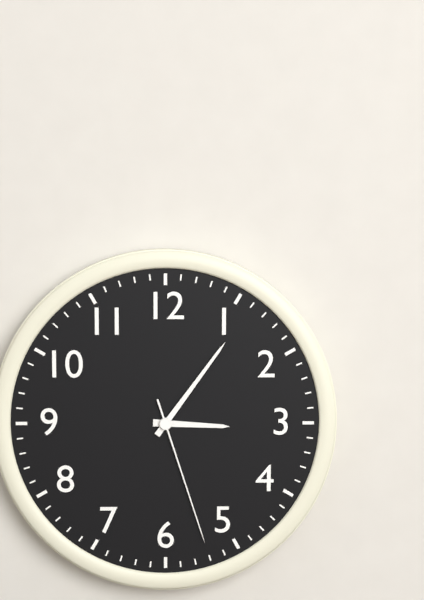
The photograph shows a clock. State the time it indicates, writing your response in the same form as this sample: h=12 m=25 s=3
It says h=3 m=6 s=27
